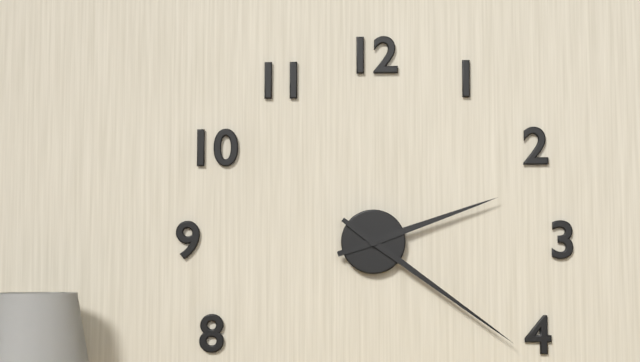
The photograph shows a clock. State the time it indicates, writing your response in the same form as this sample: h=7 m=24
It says h=2 m=21
